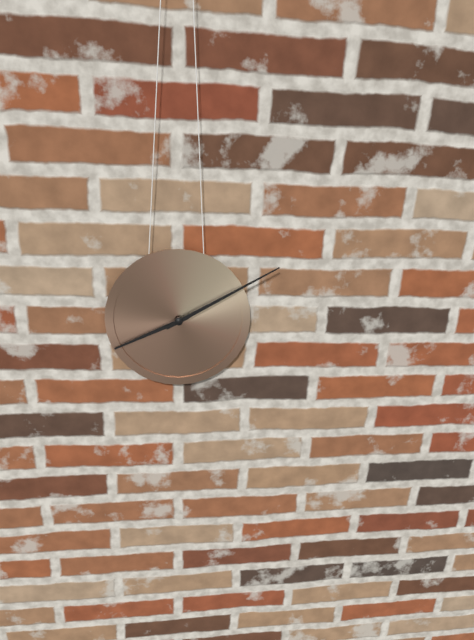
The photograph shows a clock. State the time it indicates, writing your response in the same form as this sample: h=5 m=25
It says h=8 m=10
